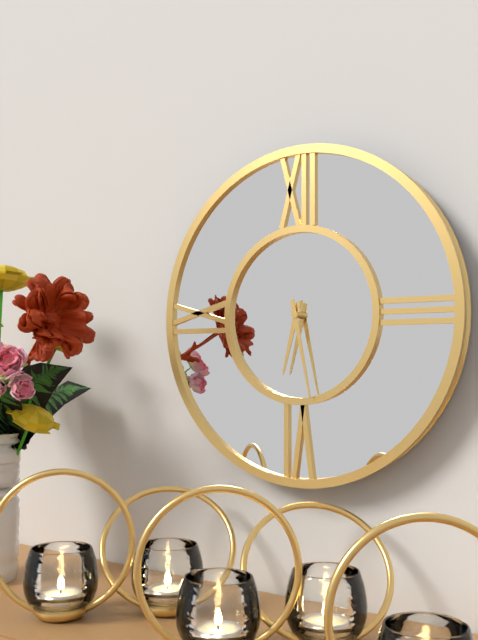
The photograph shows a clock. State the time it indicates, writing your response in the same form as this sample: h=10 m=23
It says h=6 m=28
